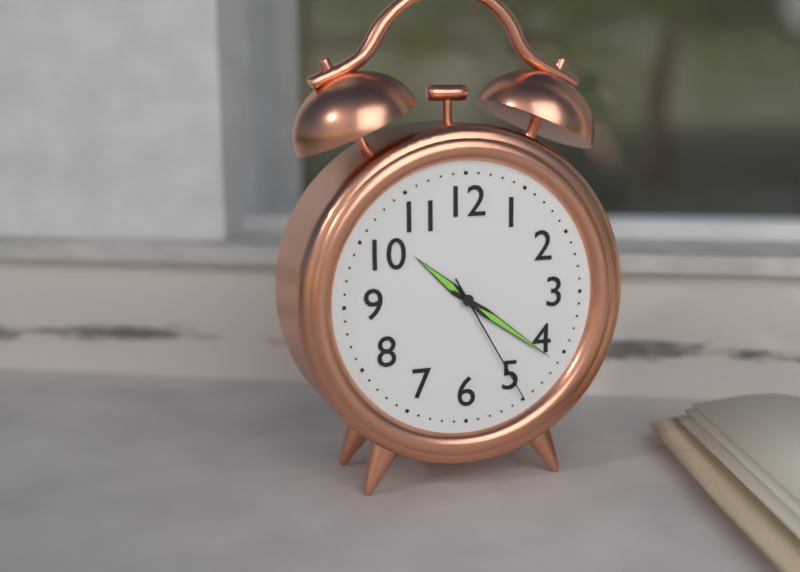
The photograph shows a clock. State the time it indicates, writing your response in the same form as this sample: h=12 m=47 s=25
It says h=10 m=21 s=25
